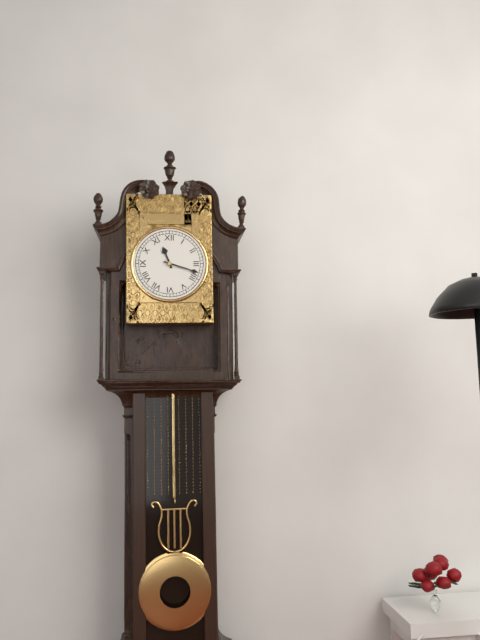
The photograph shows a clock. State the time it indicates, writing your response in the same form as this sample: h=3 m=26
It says h=11 m=18
